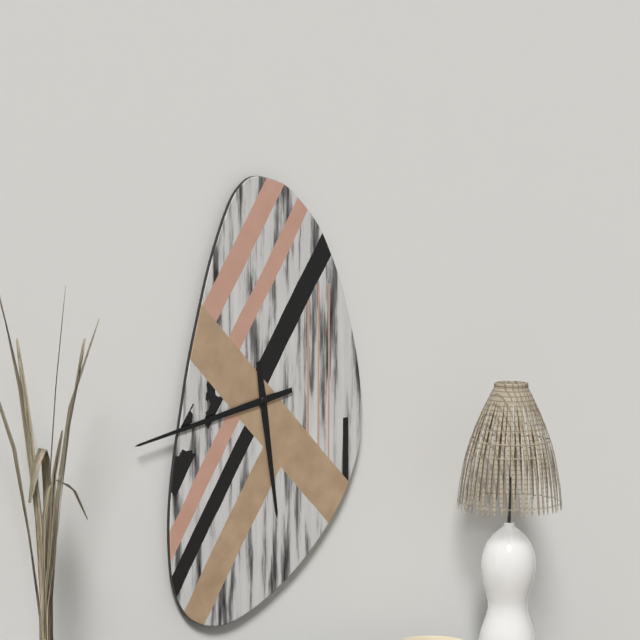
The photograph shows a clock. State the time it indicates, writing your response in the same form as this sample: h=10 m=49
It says h=5 m=43
